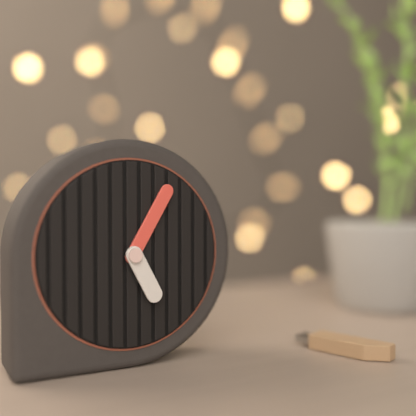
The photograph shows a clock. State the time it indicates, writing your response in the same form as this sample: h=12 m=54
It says h=5 m=5
